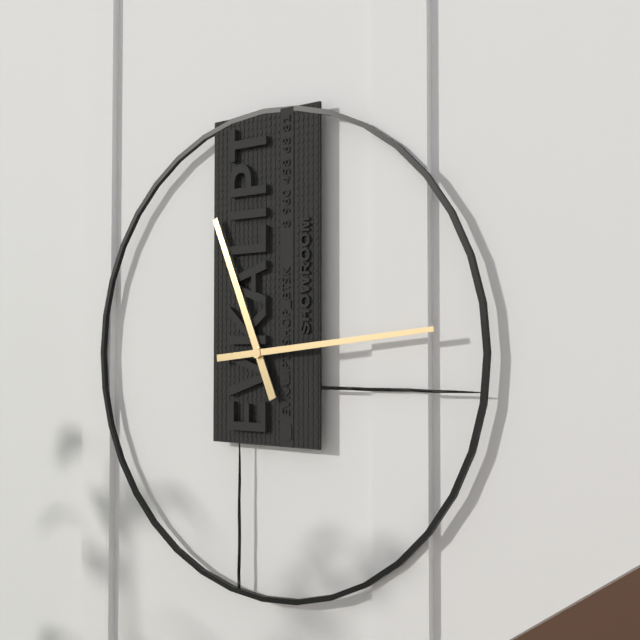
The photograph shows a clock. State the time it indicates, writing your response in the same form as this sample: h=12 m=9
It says h=11 m=14
